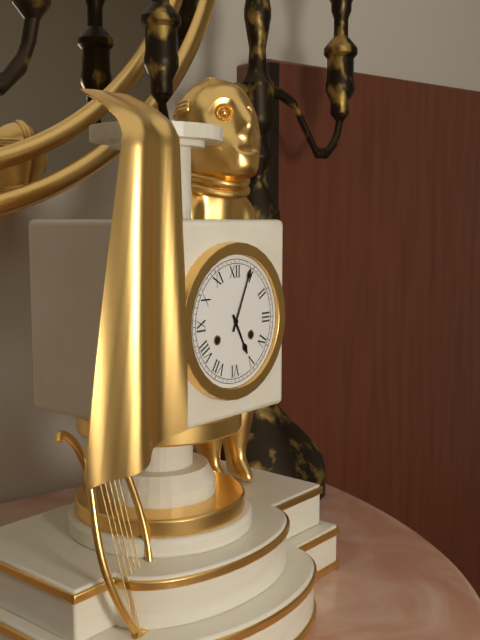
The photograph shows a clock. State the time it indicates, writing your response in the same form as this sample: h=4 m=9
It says h=5 m=4
